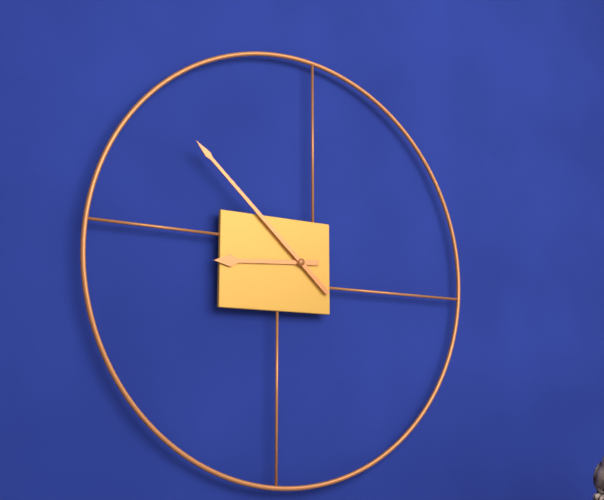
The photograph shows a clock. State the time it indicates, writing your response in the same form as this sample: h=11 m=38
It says h=8 m=52
